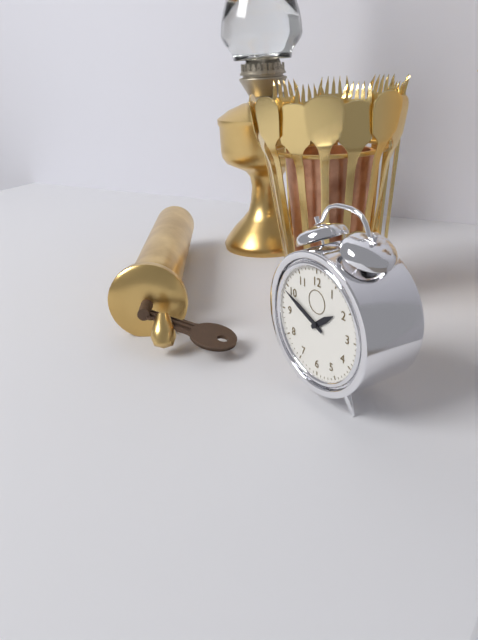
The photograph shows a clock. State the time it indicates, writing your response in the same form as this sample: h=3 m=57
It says h=1 m=49
